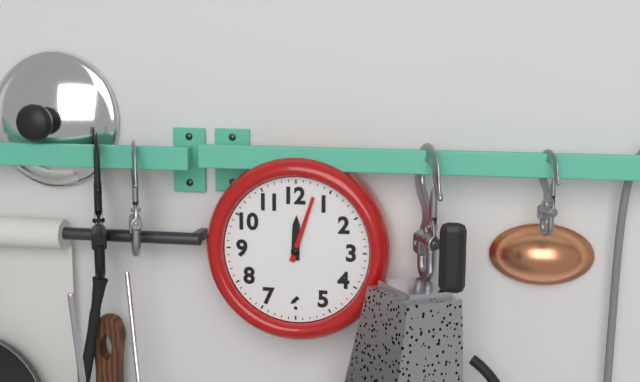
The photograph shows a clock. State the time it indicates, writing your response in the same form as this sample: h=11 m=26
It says h=12 m=3
